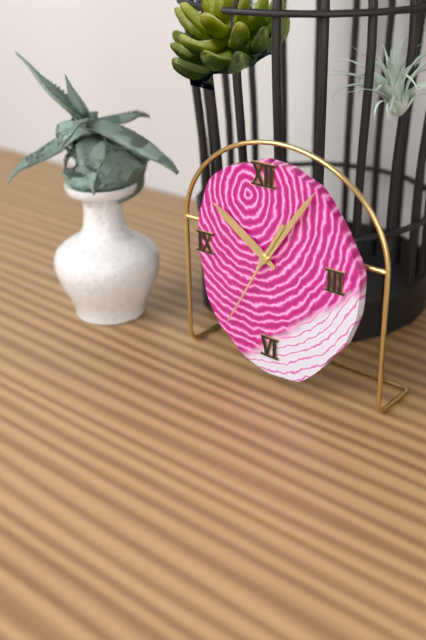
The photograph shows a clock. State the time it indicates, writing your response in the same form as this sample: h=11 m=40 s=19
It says h=10 m=6 s=35
